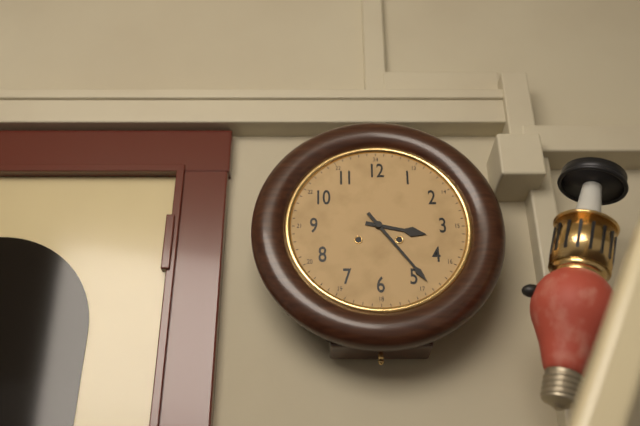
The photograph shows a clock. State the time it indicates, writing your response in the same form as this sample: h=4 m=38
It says h=3 m=24
